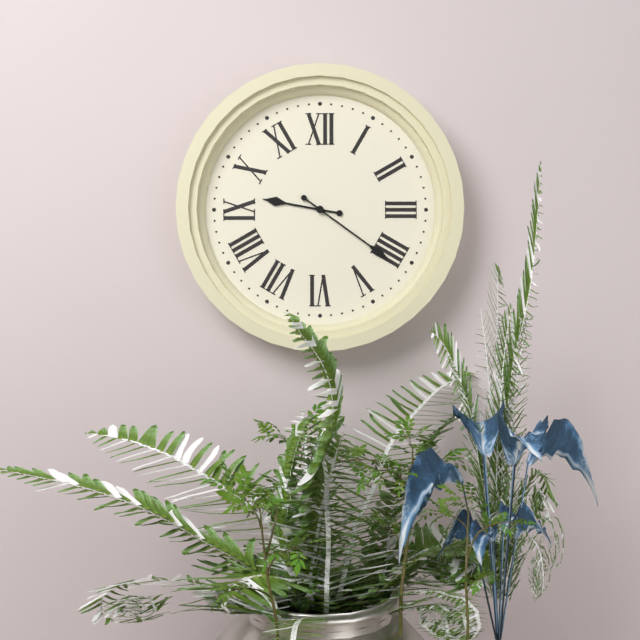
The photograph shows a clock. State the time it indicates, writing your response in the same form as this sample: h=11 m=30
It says h=9 m=21
